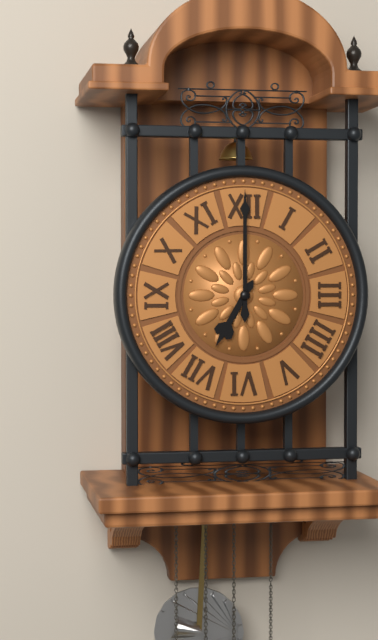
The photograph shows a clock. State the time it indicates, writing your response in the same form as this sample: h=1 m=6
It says h=7 m=0
